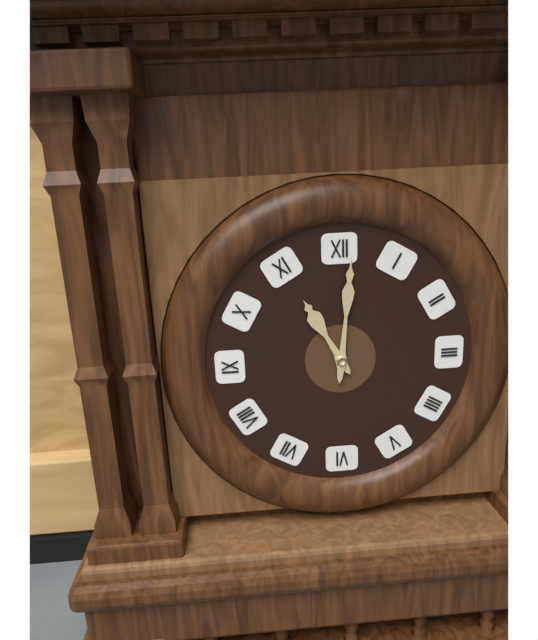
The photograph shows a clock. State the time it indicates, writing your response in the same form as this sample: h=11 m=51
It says h=11 m=1
